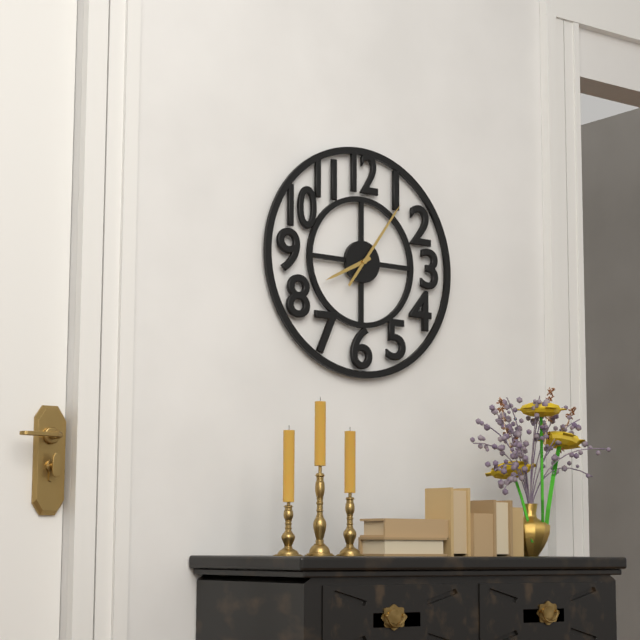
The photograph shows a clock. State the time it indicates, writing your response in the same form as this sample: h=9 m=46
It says h=8 m=6
